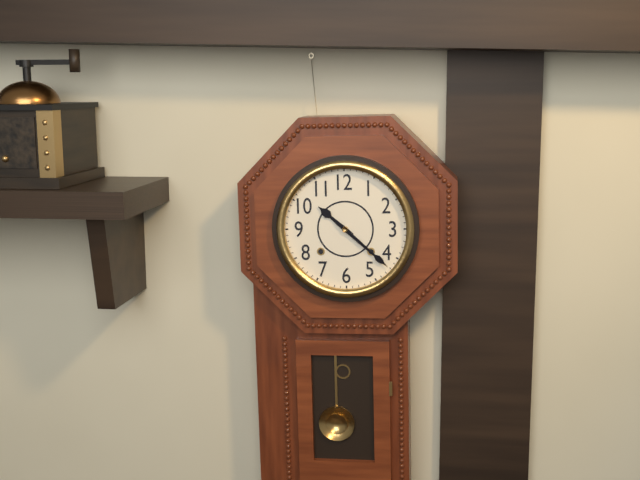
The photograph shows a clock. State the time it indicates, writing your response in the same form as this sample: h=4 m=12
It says h=10 m=22
